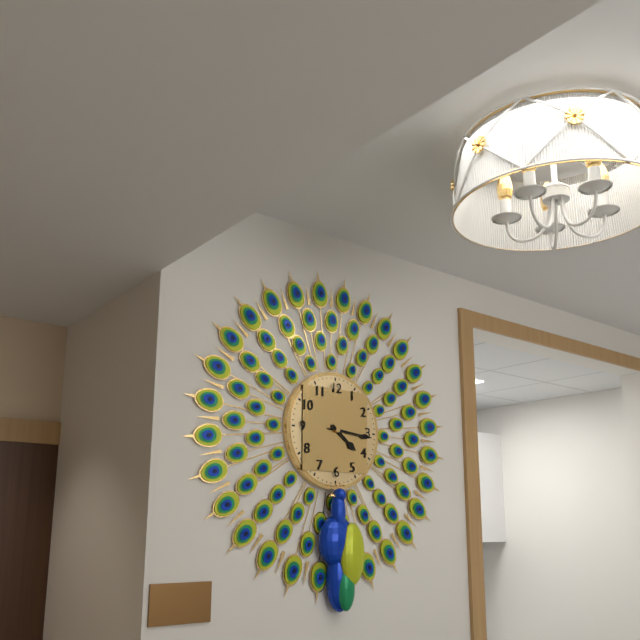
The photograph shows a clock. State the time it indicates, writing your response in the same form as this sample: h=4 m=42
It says h=4 m=16
